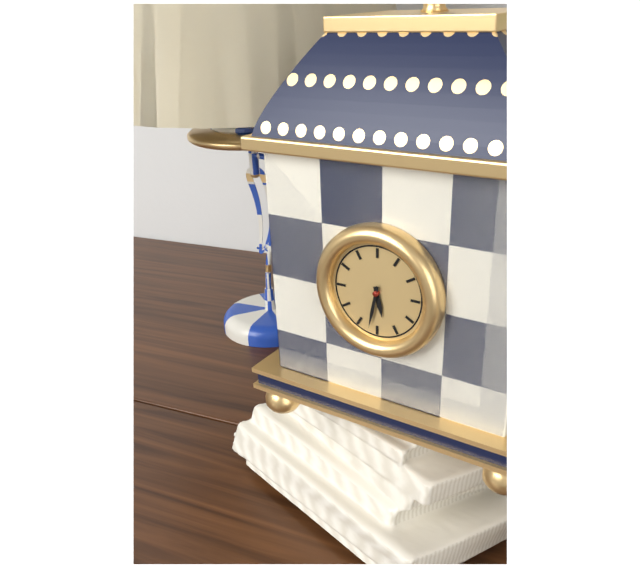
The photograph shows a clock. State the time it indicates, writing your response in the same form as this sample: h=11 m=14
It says h=5 m=32
